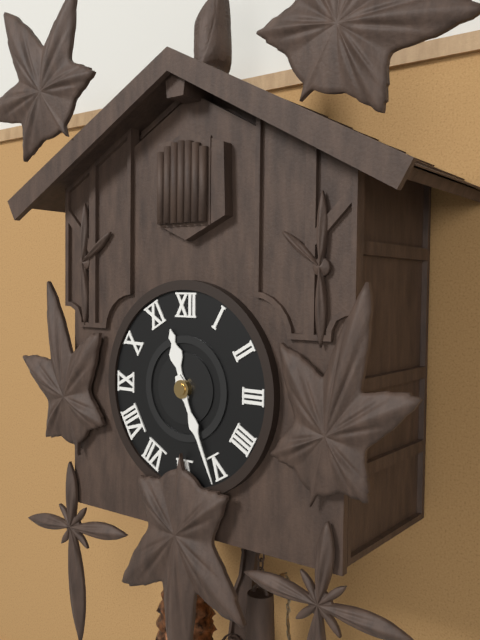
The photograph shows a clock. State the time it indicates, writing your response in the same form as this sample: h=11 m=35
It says h=11 m=26
